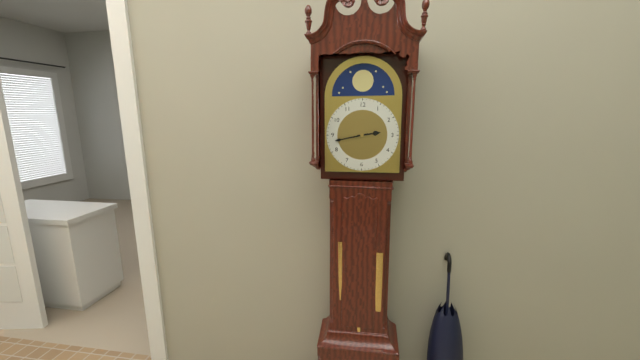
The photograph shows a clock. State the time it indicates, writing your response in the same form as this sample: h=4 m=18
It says h=2 m=43
